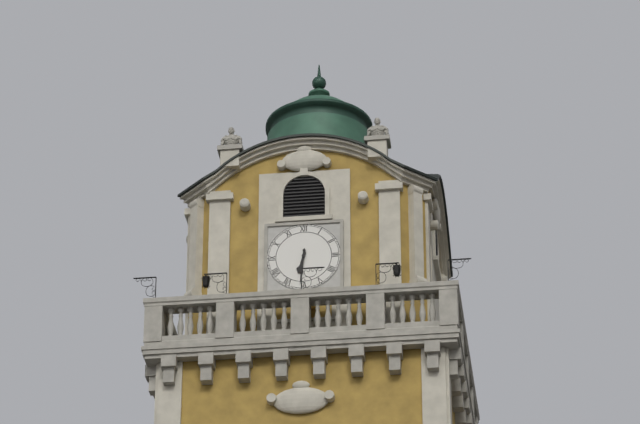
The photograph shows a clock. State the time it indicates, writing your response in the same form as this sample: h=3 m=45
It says h=6 m=31
